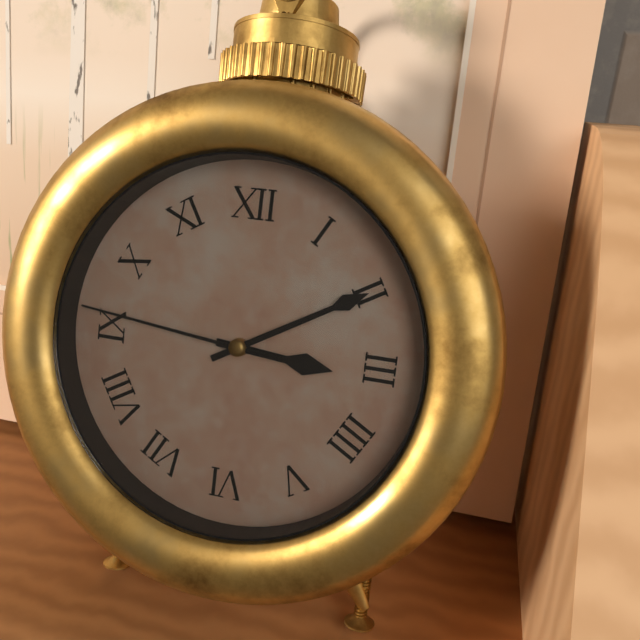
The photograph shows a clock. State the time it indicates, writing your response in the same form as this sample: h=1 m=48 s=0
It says h=3 m=10 s=46
